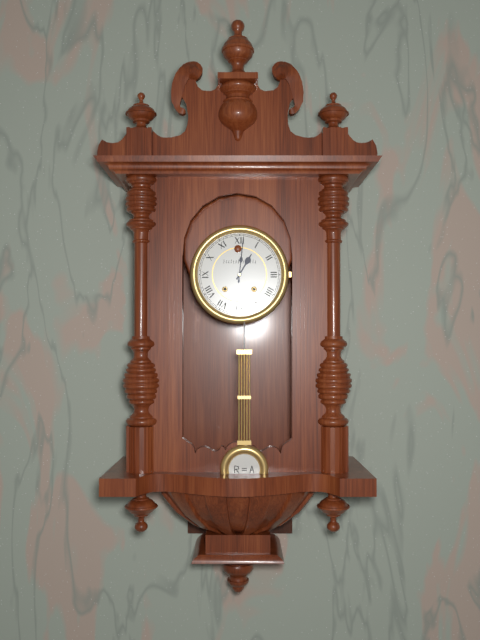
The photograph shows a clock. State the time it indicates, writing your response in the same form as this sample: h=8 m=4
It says h=1 m=1
